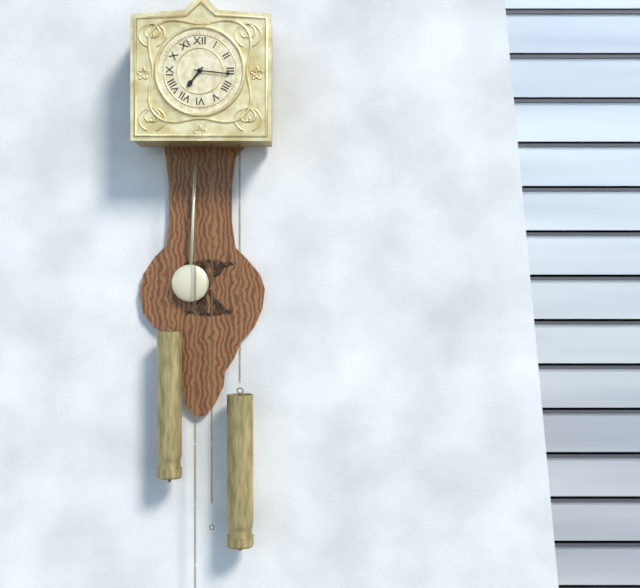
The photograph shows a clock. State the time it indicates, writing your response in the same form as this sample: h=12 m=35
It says h=7 m=16
